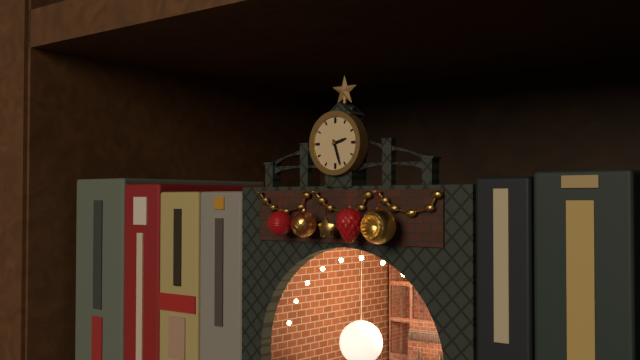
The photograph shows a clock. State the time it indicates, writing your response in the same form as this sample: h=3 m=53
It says h=2 m=27
